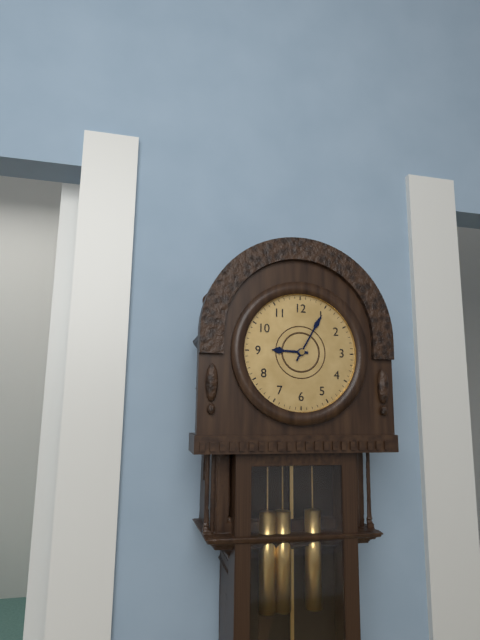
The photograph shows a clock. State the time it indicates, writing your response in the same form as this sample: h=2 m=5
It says h=9 m=5
